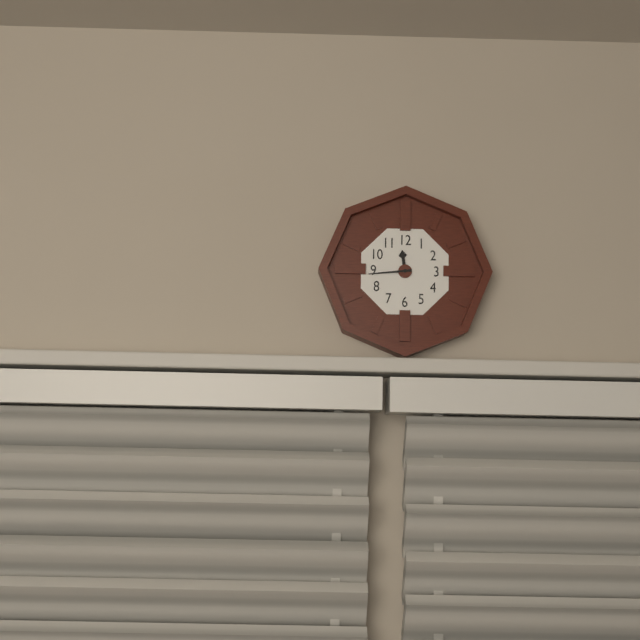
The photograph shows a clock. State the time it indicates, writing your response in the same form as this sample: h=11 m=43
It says h=11 m=44
